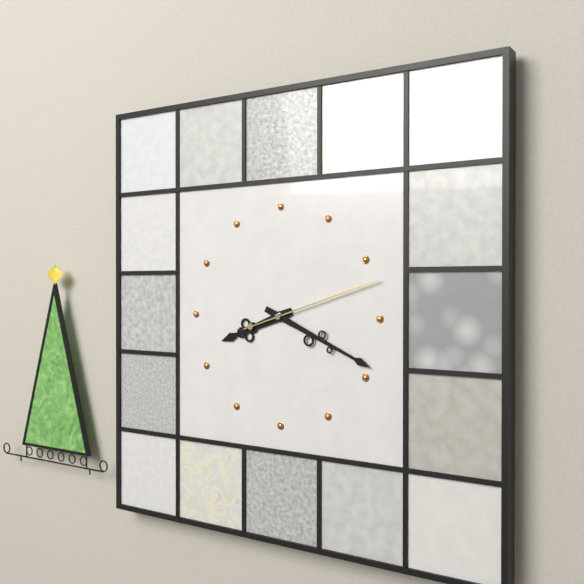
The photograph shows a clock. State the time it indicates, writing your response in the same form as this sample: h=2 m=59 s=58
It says h=8 m=19 s=12
